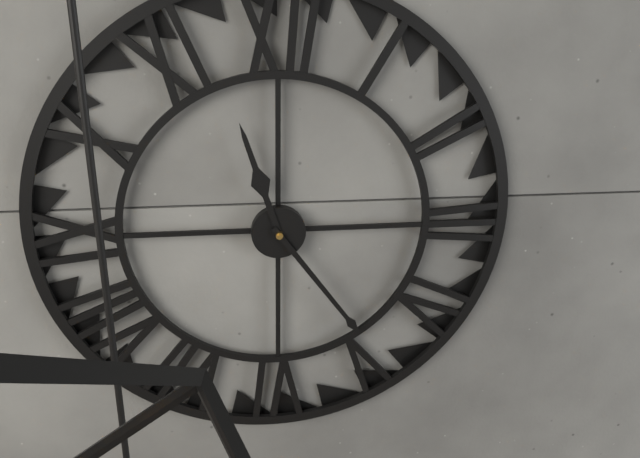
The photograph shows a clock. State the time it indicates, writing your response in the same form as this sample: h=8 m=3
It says h=11 m=24
